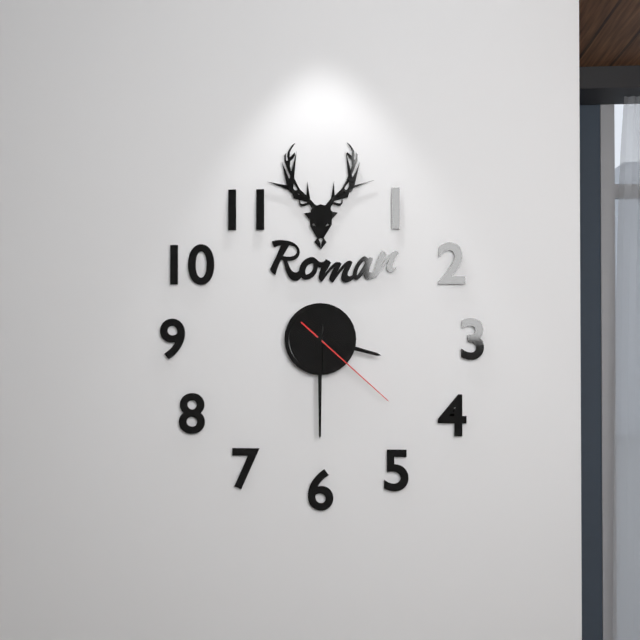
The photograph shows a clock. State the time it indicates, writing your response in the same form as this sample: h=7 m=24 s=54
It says h=3 m=30 s=22
